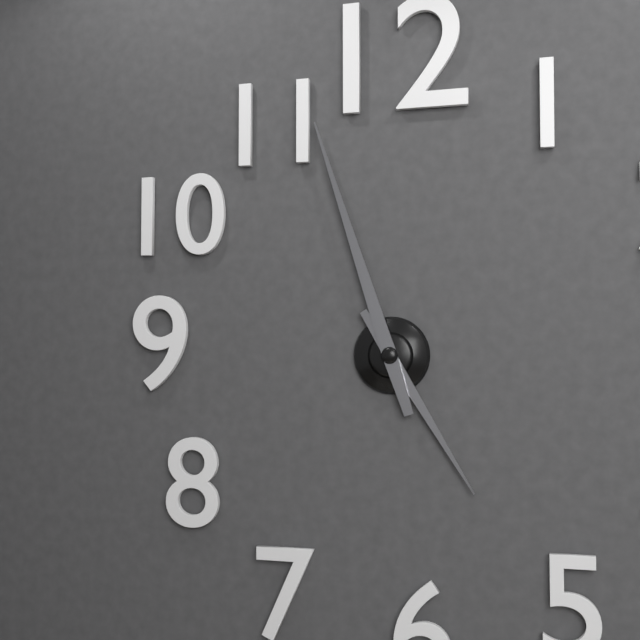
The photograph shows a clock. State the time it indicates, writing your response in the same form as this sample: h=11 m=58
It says h=4 m=57
